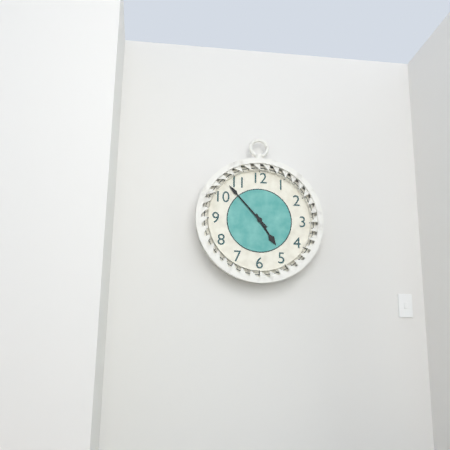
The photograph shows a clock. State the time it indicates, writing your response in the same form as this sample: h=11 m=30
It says h=4 m=53
